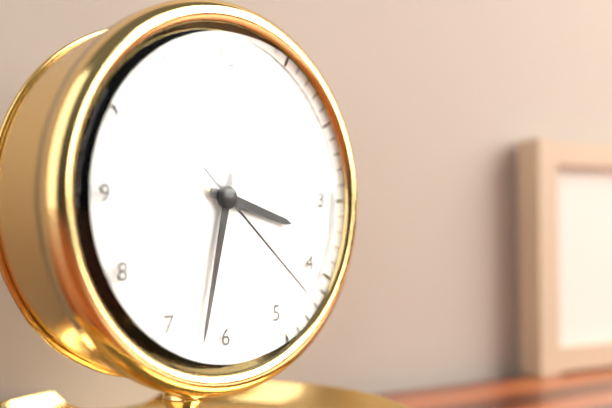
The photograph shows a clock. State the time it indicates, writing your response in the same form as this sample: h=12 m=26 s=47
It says h=3 m=32 s=22
